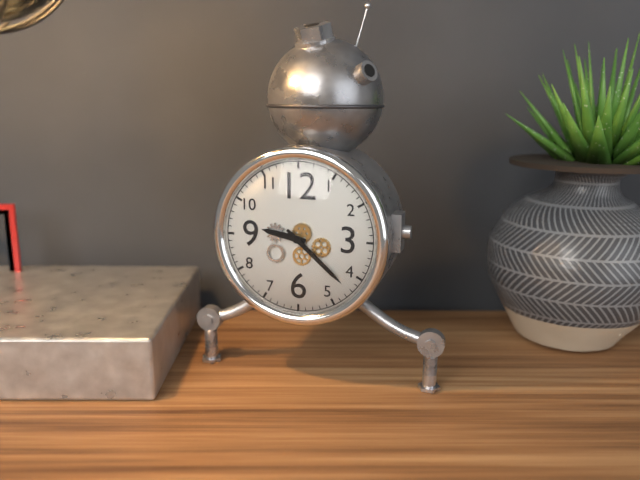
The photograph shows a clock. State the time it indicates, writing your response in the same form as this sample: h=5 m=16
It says h=9 m=22
